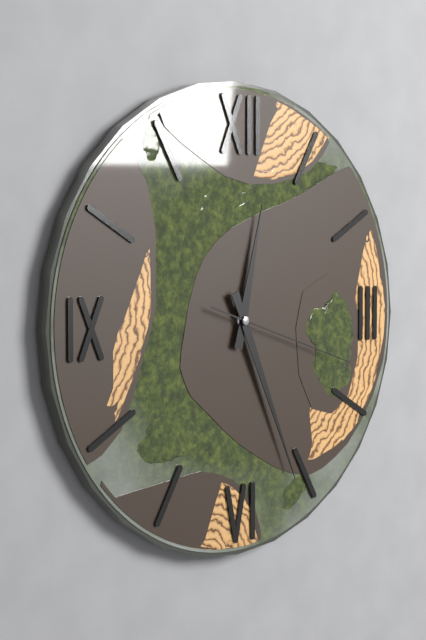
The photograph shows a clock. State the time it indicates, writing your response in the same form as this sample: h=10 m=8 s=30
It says h=12 m=26 s=18
